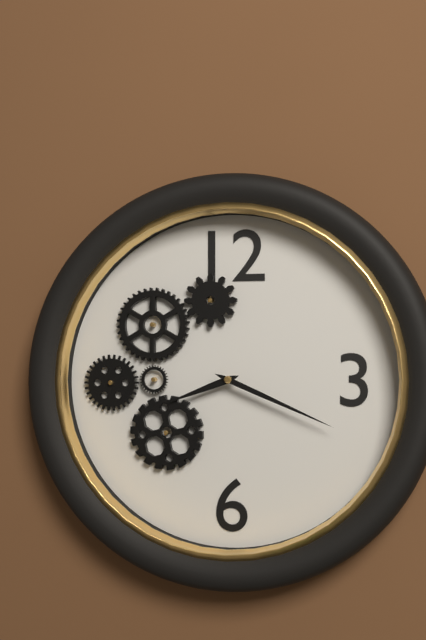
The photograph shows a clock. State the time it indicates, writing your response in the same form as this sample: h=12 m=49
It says h=8 m=19
